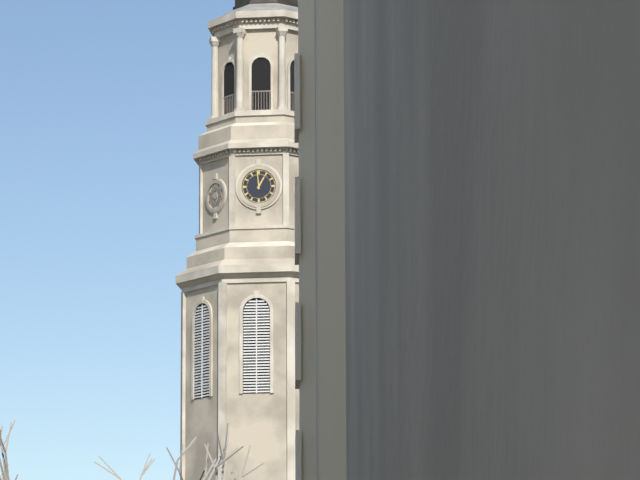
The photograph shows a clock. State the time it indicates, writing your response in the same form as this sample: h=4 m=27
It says h=12 m=59
